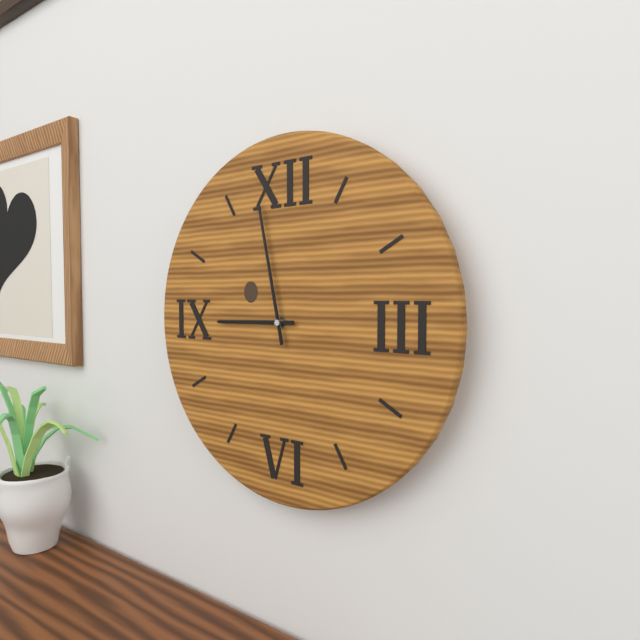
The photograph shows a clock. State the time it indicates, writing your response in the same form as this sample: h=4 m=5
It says h=8 m=58
